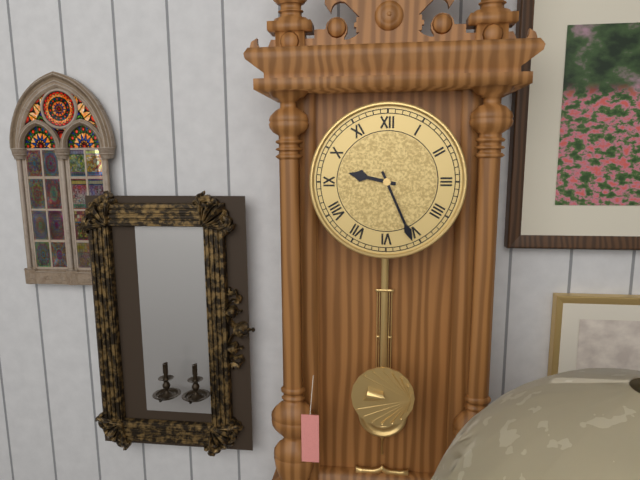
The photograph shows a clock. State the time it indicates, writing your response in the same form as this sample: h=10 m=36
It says h=9 m=26
